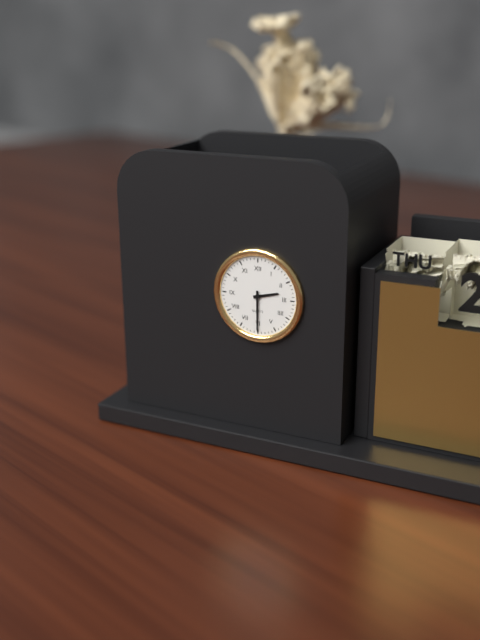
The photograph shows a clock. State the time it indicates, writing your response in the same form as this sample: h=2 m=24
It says h=2 m=30
